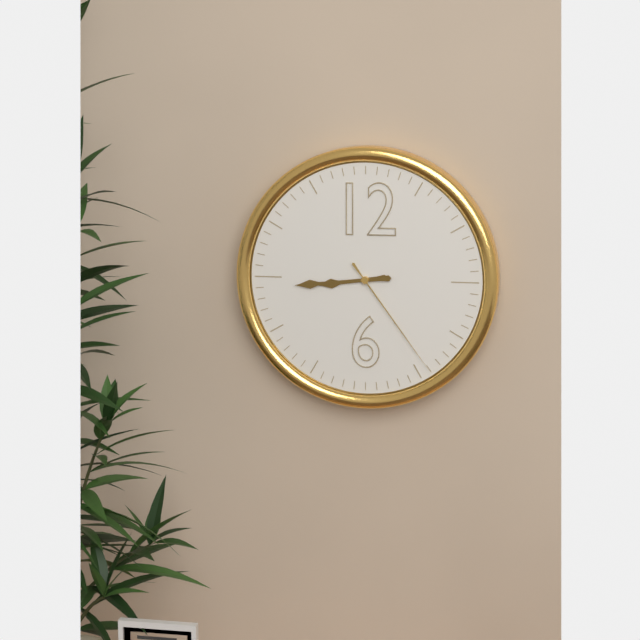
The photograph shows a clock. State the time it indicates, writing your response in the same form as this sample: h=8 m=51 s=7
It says h=8 m=44 s=24
